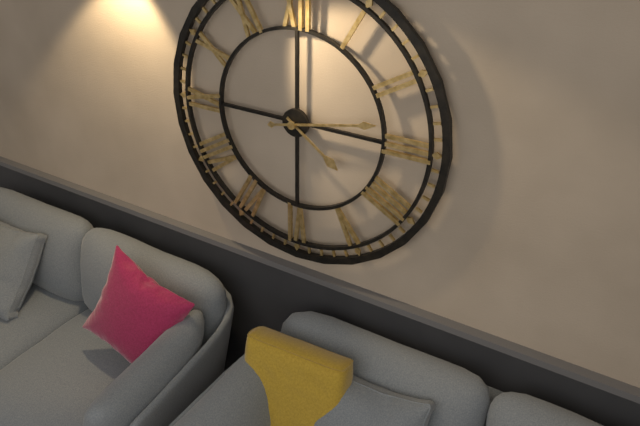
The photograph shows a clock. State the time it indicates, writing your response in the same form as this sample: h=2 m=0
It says h=4 m=13
